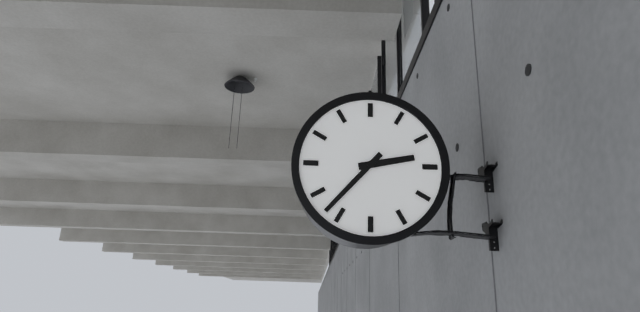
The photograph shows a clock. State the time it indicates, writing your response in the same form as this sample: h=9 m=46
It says h=2 m=37
